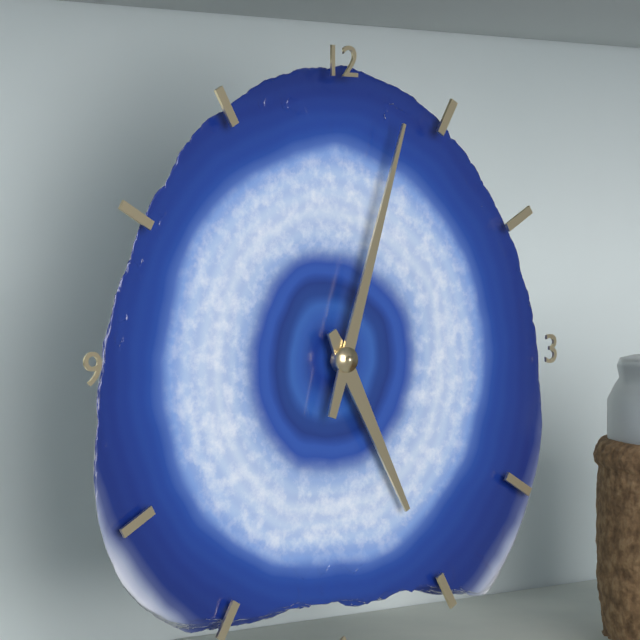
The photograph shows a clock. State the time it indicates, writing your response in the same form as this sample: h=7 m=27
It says h=5 m=3
